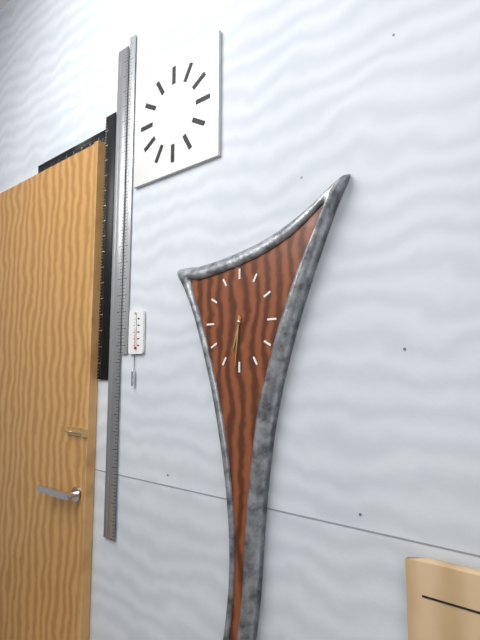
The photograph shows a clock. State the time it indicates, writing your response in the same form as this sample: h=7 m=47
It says h=6 m=31
